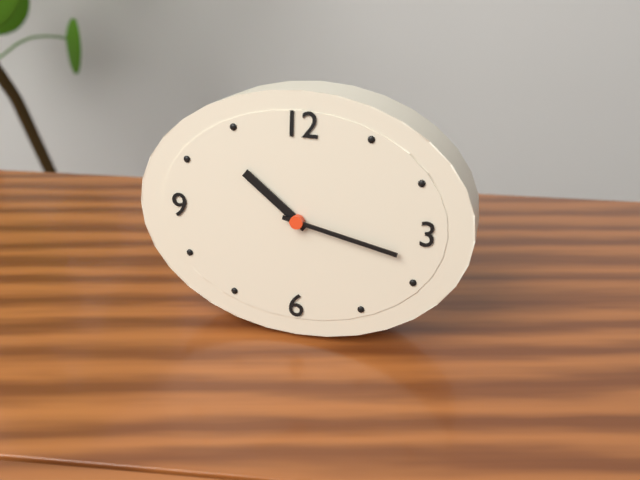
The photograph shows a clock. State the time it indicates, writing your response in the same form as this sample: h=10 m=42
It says h=10 m=17
